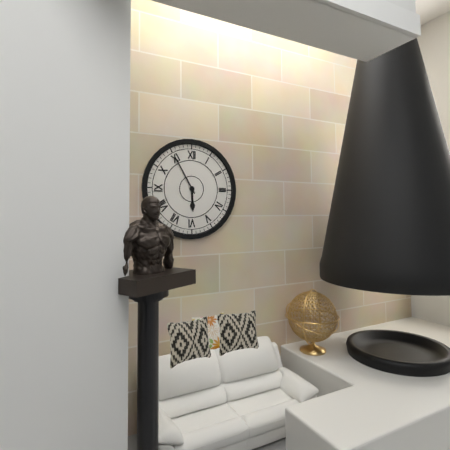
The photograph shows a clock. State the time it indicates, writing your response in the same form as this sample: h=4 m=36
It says h=5 m=55
